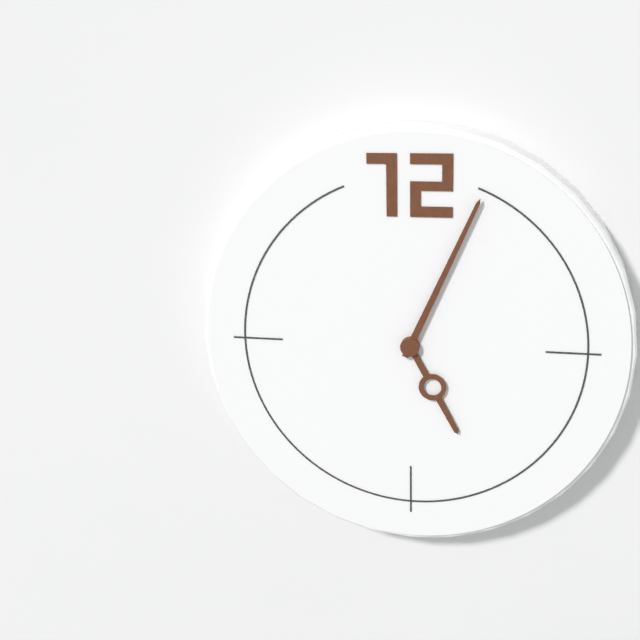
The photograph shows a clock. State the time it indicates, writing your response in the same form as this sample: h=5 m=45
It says h=5 m=4
